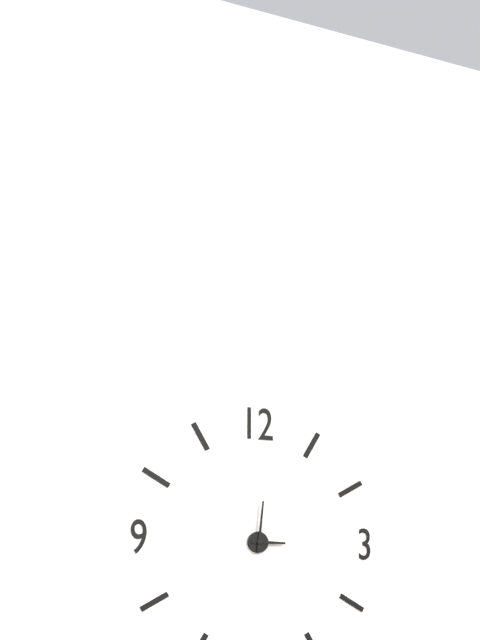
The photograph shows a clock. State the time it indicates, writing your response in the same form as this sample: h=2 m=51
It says h=3 m=1
